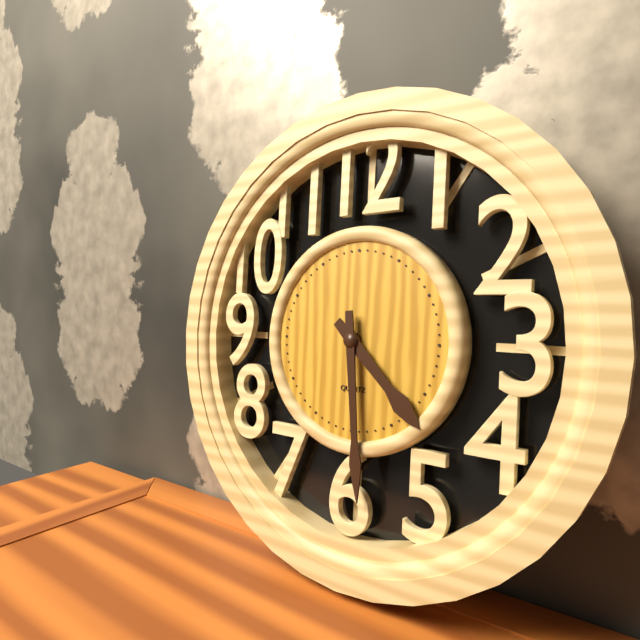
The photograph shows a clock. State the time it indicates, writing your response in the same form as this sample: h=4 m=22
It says h=4 m=29
